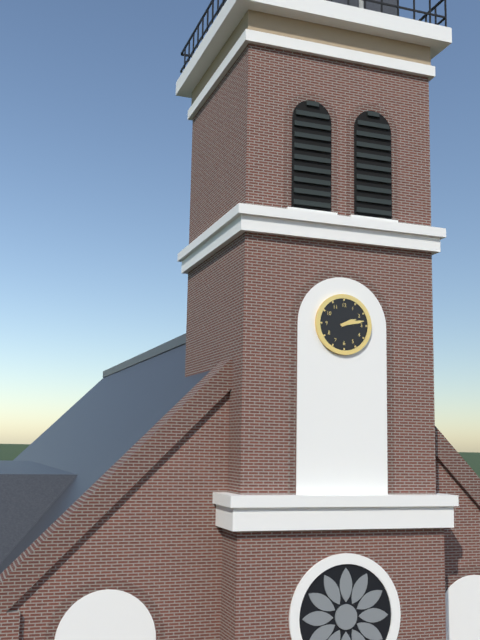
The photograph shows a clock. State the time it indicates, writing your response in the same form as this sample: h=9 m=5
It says h=2 m=13
